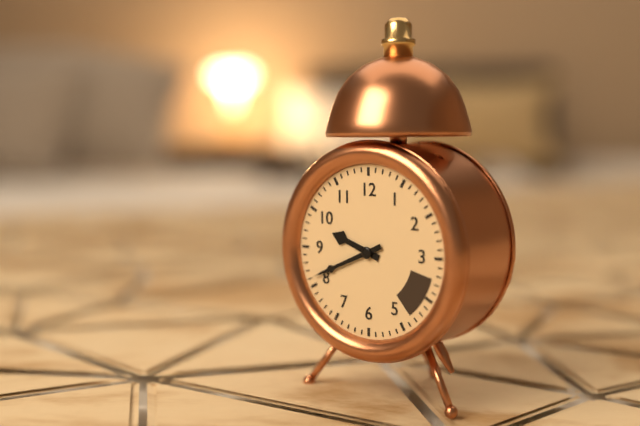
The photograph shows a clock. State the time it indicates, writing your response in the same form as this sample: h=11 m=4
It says h=9 m=41
